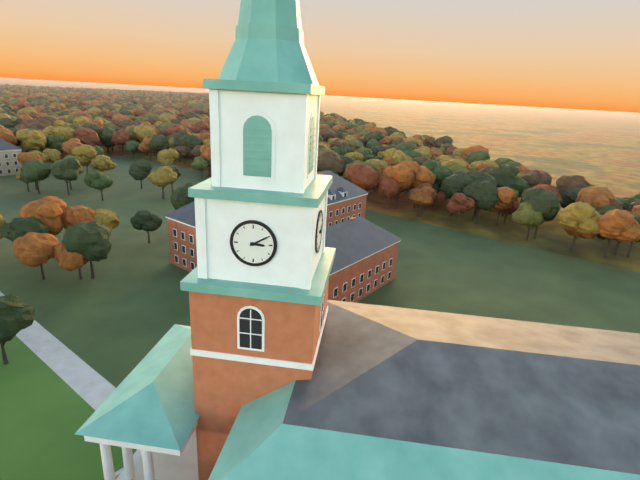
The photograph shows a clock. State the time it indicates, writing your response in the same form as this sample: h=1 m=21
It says h=3 m=10
